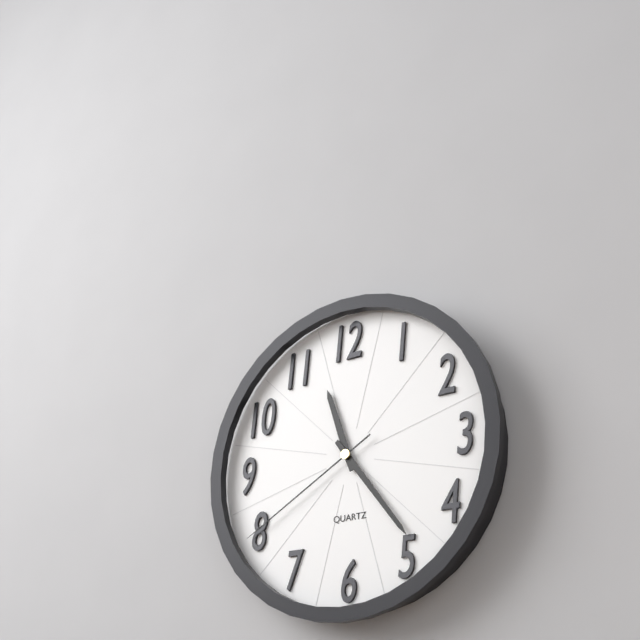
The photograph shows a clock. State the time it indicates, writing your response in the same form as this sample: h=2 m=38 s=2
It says h=11 m=24 s=40
